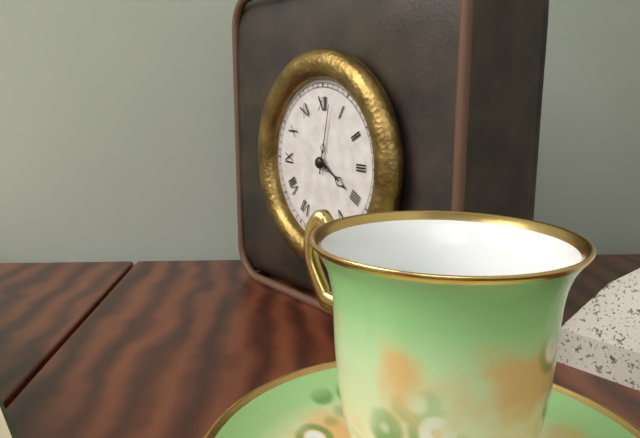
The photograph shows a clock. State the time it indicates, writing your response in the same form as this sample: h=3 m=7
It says h=4 m=2
